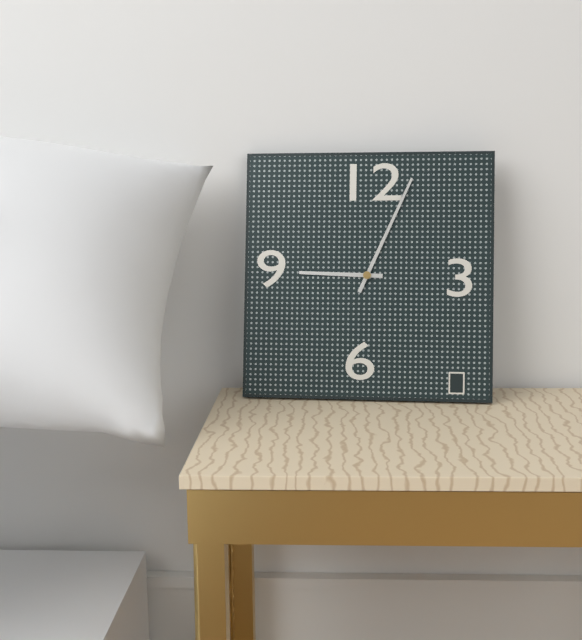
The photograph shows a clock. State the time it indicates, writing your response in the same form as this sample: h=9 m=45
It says h=9 m=4
